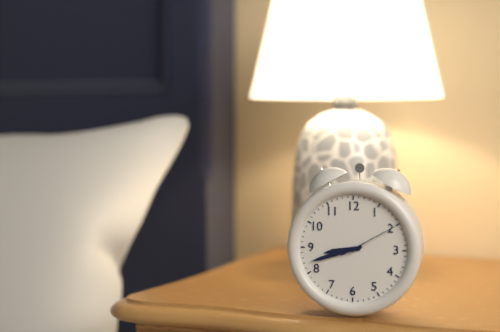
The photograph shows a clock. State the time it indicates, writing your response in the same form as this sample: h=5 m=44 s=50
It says h=8 m=42 s=10
